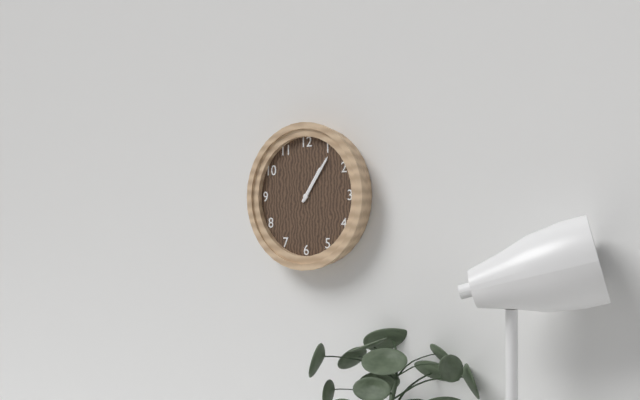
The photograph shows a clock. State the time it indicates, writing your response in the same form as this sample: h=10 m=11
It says h=1 m=6
